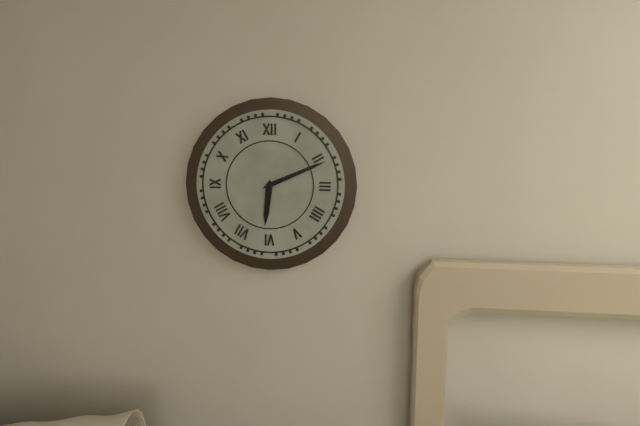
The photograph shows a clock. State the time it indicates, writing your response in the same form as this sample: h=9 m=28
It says h=6 m=11
